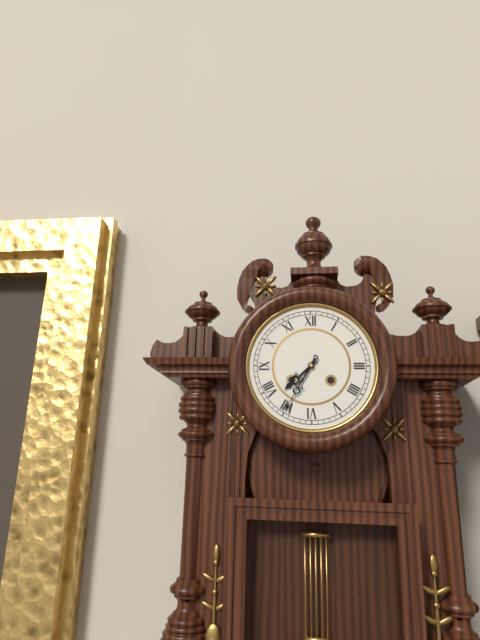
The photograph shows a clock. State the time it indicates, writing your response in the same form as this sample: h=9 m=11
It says h=7 m=35
